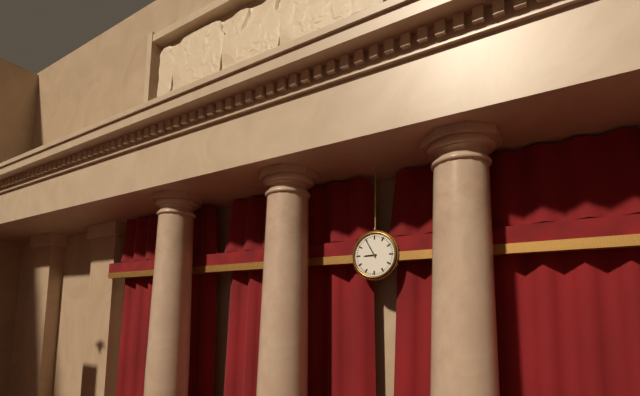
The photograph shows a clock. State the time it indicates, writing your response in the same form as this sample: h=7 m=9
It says h=8 m=55
